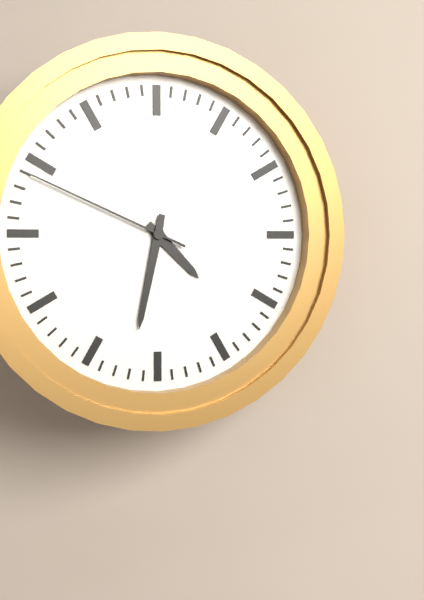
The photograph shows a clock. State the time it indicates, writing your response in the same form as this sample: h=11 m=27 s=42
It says h=4 m=32 s=49
